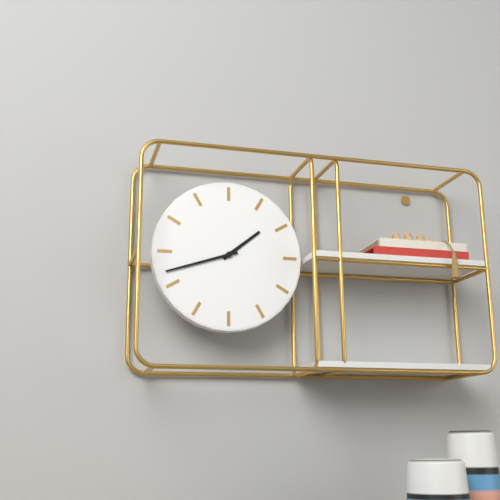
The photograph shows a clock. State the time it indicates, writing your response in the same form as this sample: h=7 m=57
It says h=1 m=42
